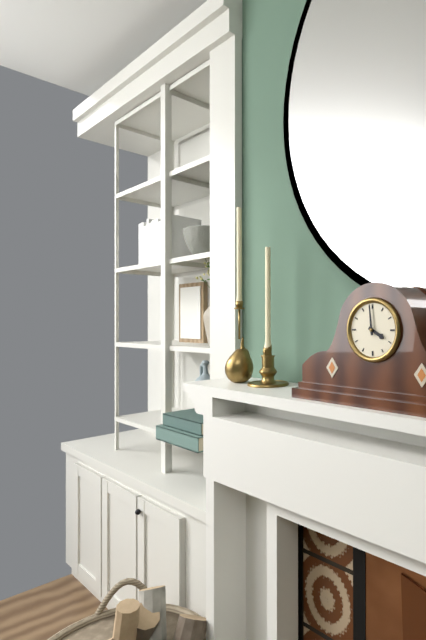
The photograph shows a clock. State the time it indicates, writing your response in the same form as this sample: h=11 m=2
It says h=3 m=59
